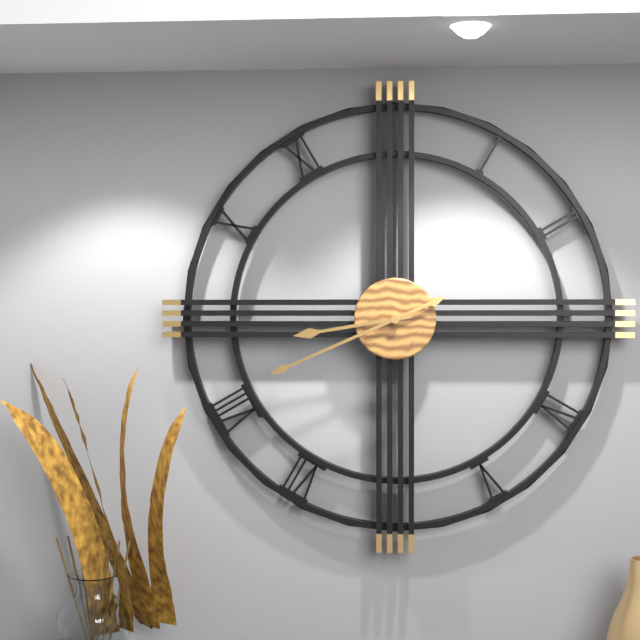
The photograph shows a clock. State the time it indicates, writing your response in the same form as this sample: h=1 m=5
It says h=8 m=41
